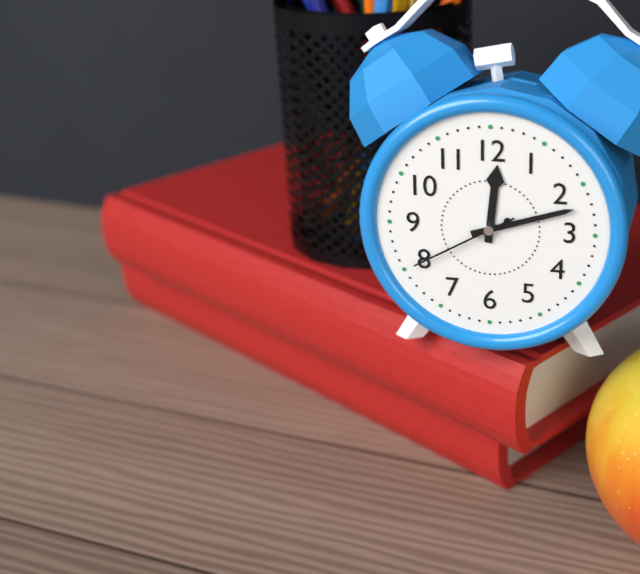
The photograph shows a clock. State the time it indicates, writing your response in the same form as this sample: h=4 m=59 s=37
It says h=12 m=12 s=40
